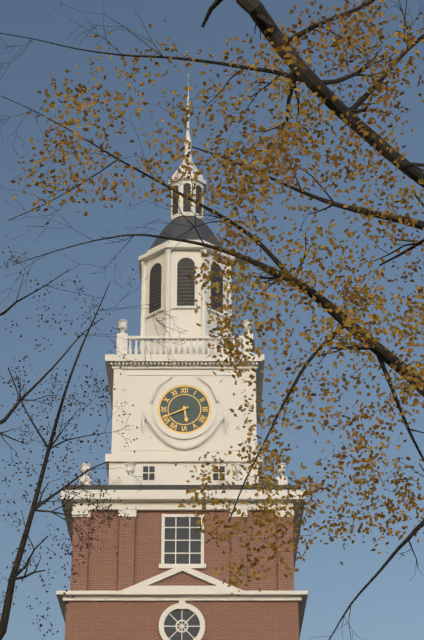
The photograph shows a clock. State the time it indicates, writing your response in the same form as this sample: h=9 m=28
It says h=5 m=41
